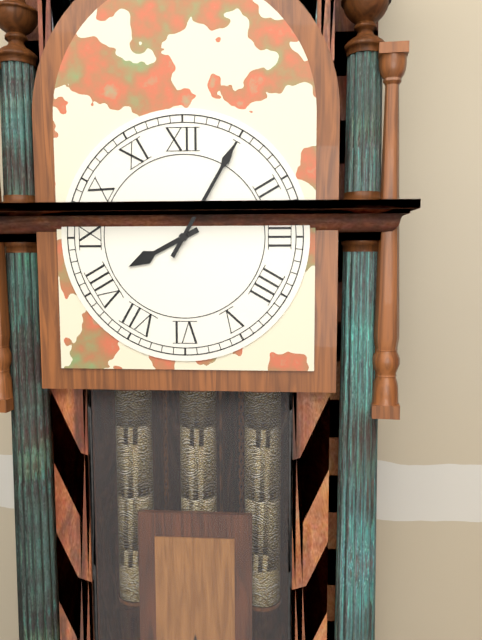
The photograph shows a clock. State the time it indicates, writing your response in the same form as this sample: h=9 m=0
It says h=8 m=5
